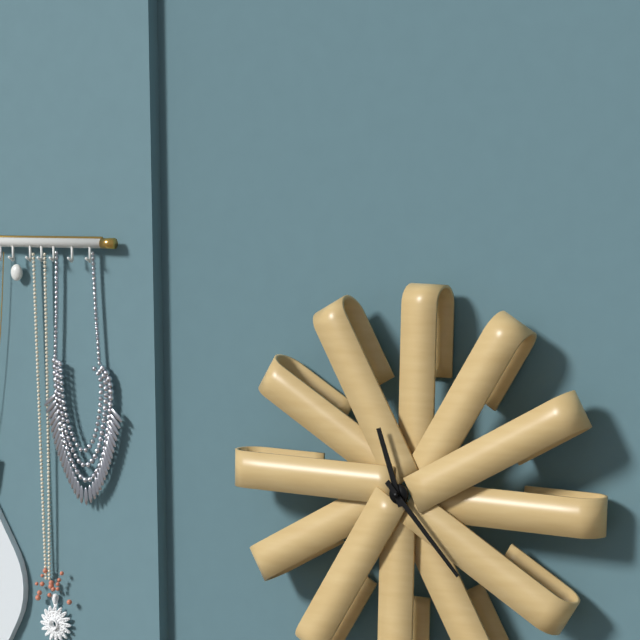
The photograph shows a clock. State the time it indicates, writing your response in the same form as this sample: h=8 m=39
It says h=11 m=23
